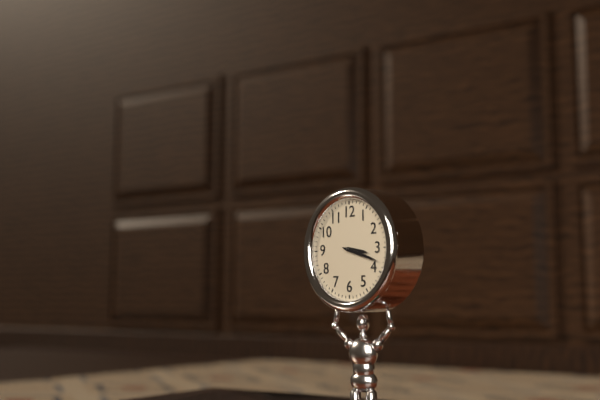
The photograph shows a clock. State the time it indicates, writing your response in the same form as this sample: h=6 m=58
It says h=3 m=18
